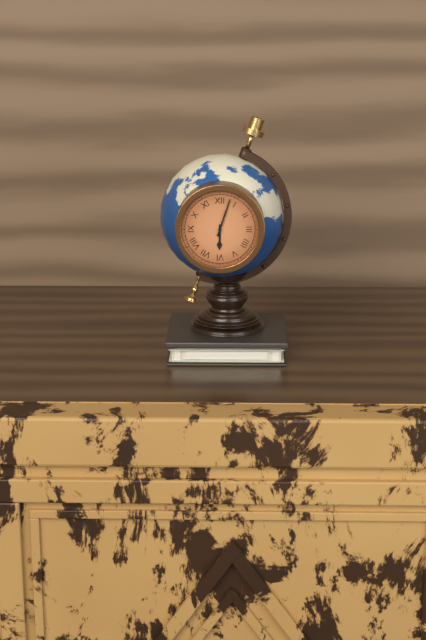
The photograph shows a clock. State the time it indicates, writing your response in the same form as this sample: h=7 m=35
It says h=6 m=3
